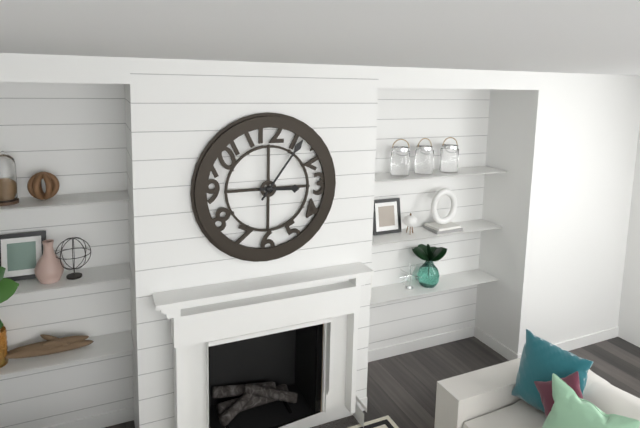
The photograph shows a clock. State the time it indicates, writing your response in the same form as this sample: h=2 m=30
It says h=3 m=6
